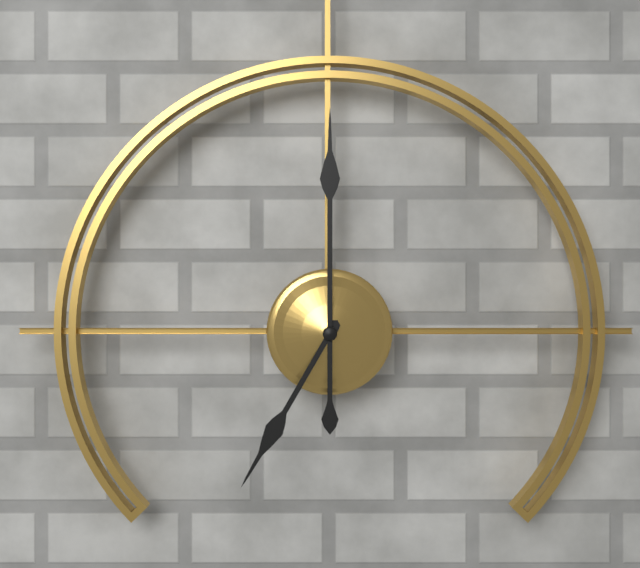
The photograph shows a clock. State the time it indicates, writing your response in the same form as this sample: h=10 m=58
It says h=7 m=0
